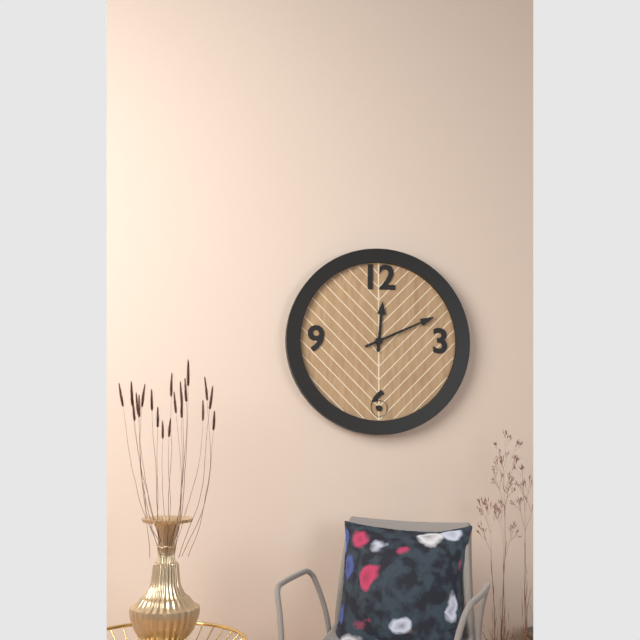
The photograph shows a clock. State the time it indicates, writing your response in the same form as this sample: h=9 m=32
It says h=12 m=11
